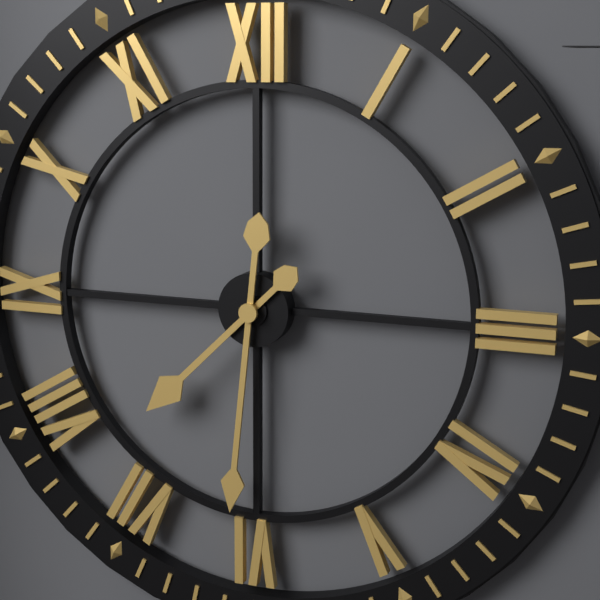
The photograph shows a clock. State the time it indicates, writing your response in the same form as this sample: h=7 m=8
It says h=7 m=31
